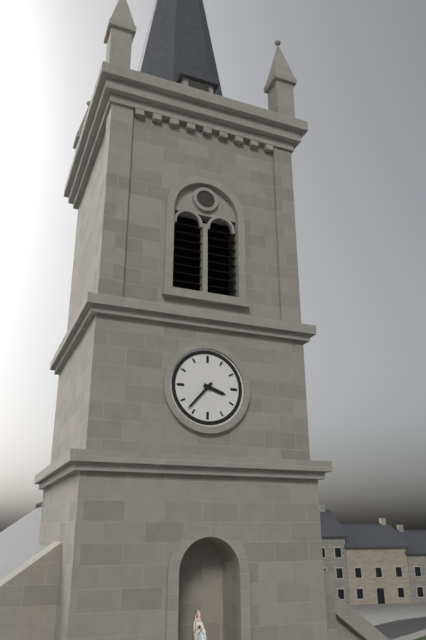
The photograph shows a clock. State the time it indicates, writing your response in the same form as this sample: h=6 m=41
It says h=3 m=37
